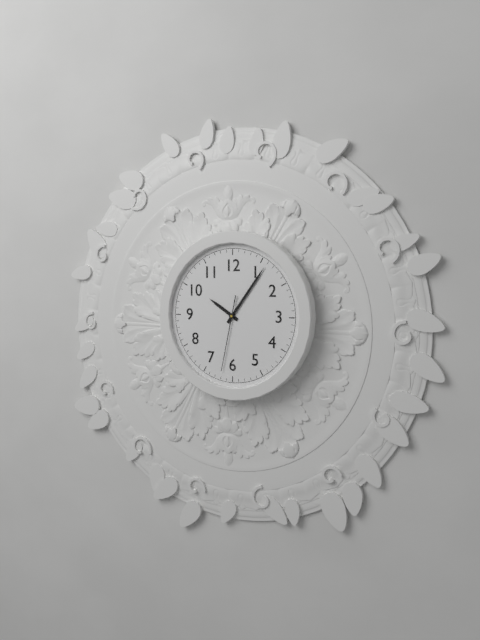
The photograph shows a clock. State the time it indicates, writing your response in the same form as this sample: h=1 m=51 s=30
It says h=10 m=6 s=32
